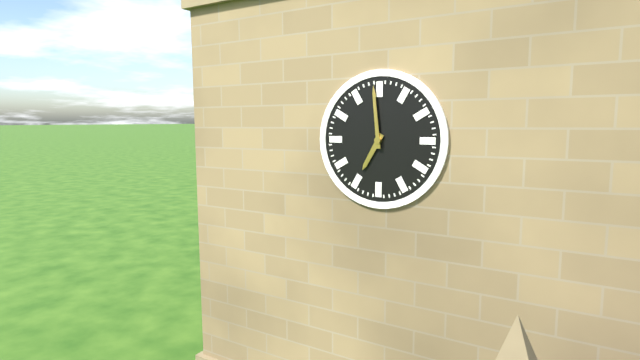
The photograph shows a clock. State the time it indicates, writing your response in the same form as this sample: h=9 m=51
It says h=6 m=59
